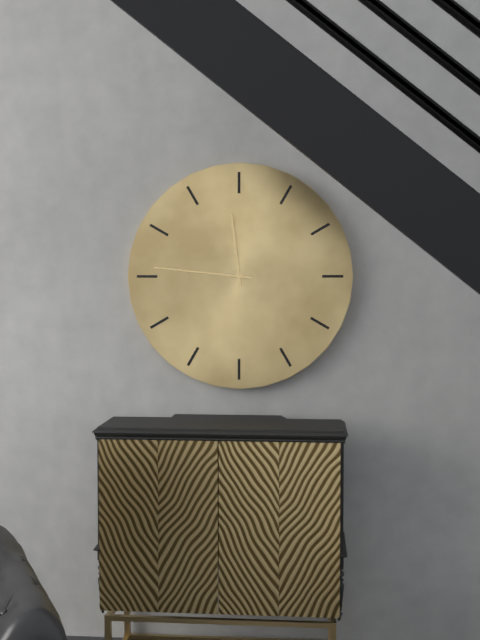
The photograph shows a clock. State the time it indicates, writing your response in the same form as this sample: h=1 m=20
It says h=11 m=46
